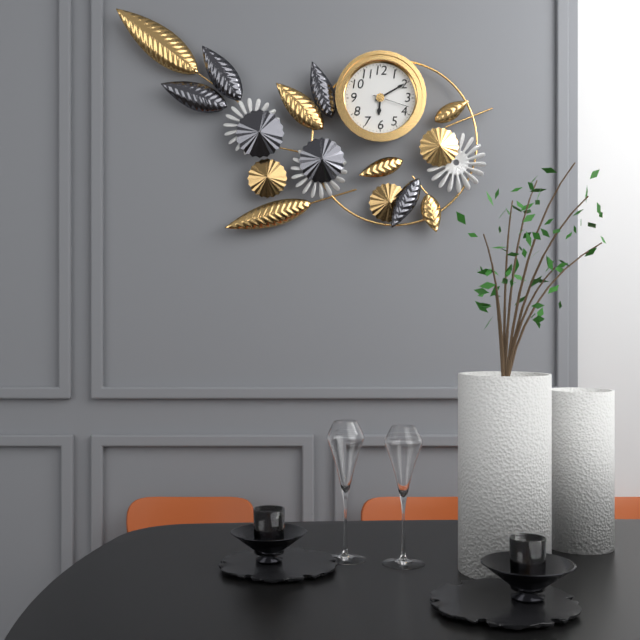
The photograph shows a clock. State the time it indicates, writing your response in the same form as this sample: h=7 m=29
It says h=6 m=10
